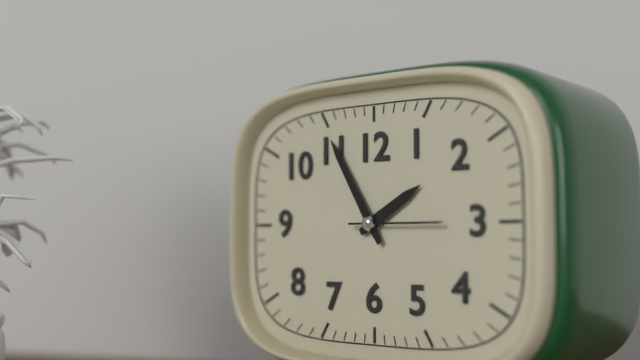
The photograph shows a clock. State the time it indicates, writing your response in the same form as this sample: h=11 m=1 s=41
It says h=1 m=55 s=15
